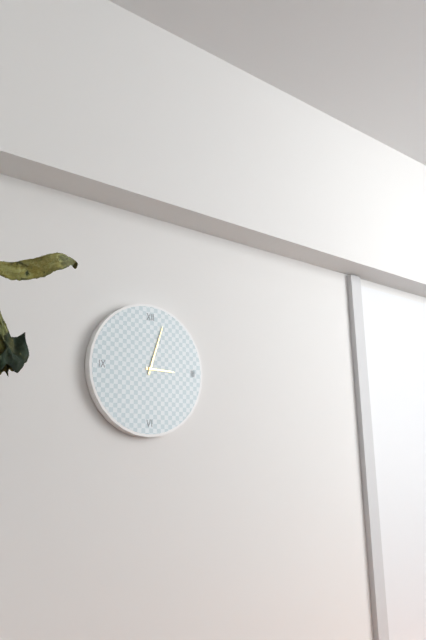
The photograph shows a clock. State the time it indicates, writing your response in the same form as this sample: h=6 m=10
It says h=3 m=3
